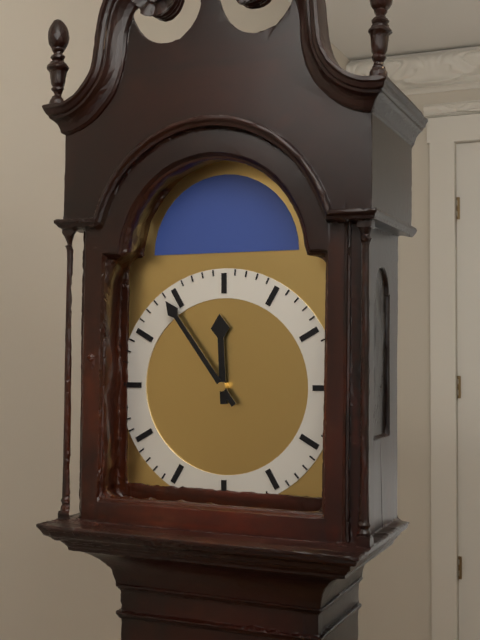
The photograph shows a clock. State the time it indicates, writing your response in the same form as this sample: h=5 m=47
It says h=11 m=54
